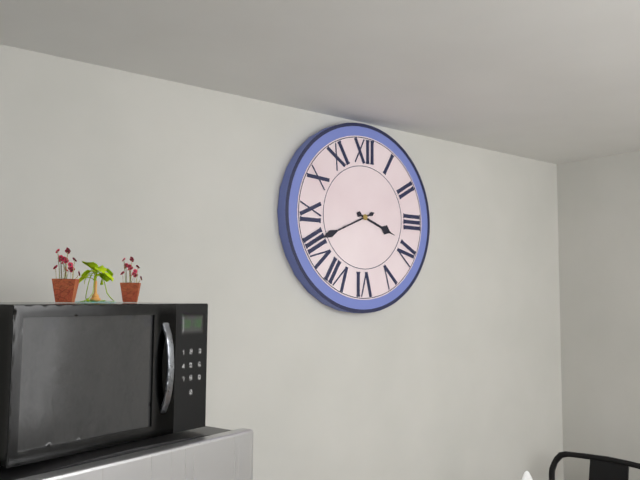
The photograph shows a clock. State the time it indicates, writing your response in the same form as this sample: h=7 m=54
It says h=3 m=41
